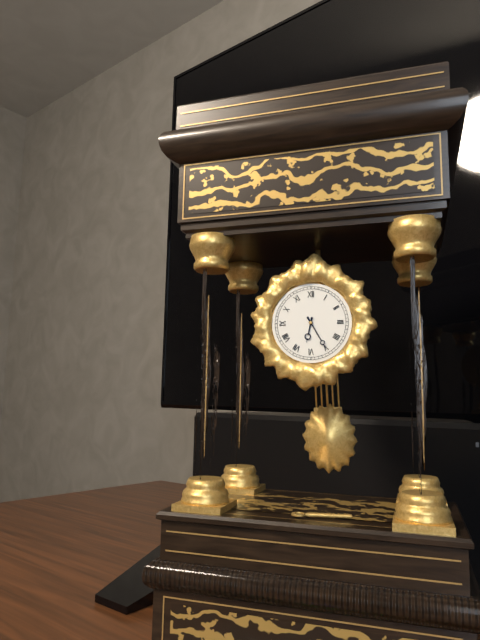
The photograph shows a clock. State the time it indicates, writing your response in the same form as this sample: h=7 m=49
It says h=6 m=25
